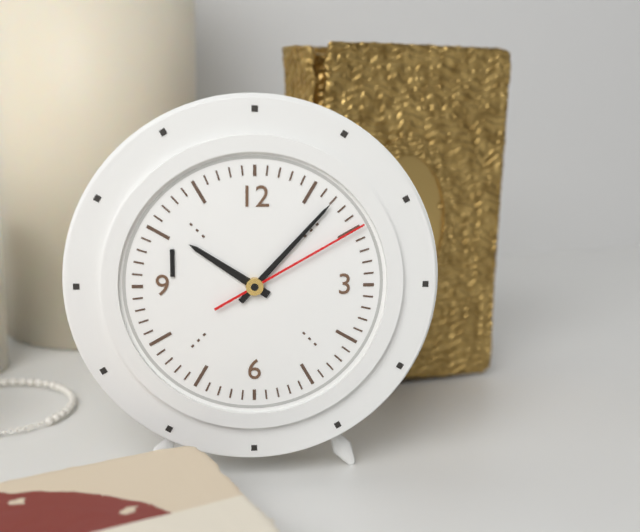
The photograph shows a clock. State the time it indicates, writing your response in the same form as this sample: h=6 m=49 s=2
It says h=10 m=7 s=10
